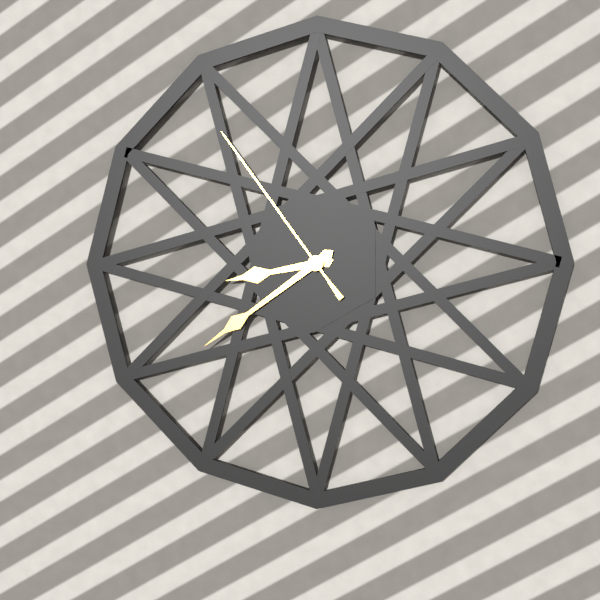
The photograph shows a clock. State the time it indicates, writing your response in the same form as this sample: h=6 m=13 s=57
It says h=8 m=39 s=54
